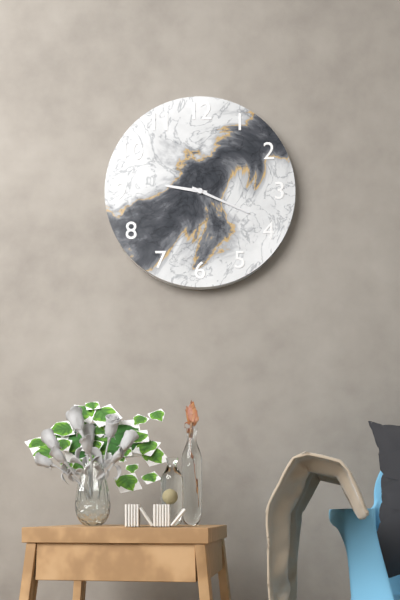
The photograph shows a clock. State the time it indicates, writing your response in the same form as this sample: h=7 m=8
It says h=9 m=19
